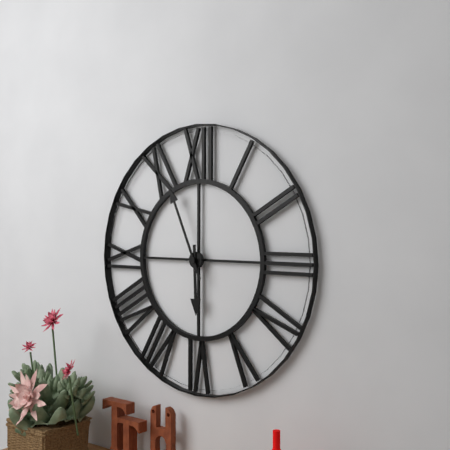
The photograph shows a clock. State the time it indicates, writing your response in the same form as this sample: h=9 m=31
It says h=5 m=56
